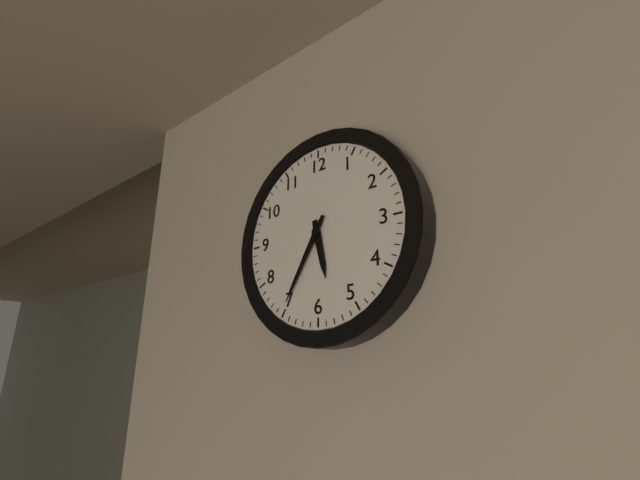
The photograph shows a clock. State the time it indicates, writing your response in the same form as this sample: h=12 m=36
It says h=5 m=35
